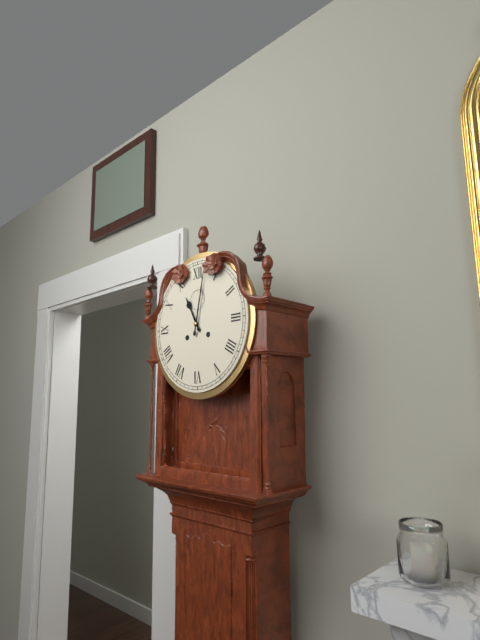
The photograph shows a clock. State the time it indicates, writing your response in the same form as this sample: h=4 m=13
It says h=11 m=2
